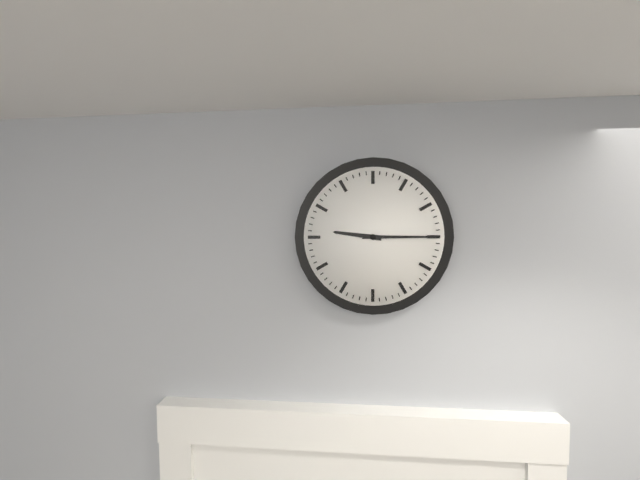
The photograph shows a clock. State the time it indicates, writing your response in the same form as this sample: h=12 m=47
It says h=9 m=15
